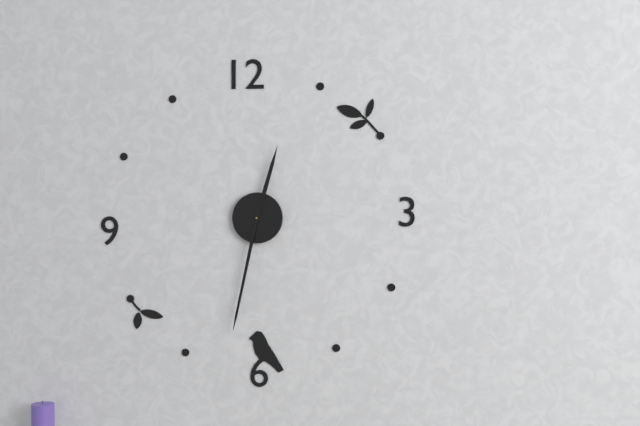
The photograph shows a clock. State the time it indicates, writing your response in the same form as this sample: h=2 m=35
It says h=12 m=32
